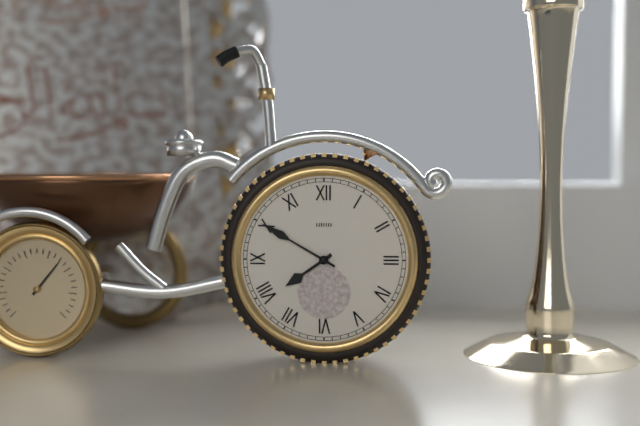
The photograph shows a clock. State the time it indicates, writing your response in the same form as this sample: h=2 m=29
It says h=7 m=50
